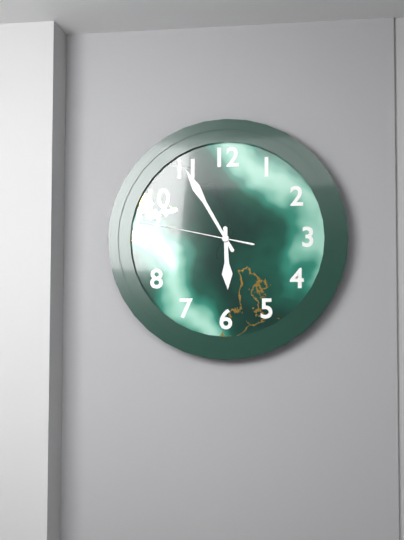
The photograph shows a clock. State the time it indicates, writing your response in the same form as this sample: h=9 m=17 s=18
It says h=5 m=55 s=47
